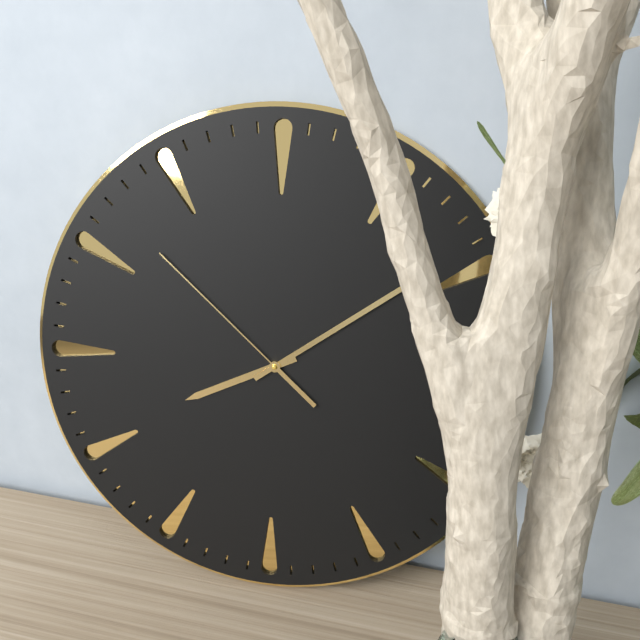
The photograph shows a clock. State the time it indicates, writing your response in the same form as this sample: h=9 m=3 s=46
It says h=8 m=9 s=52
